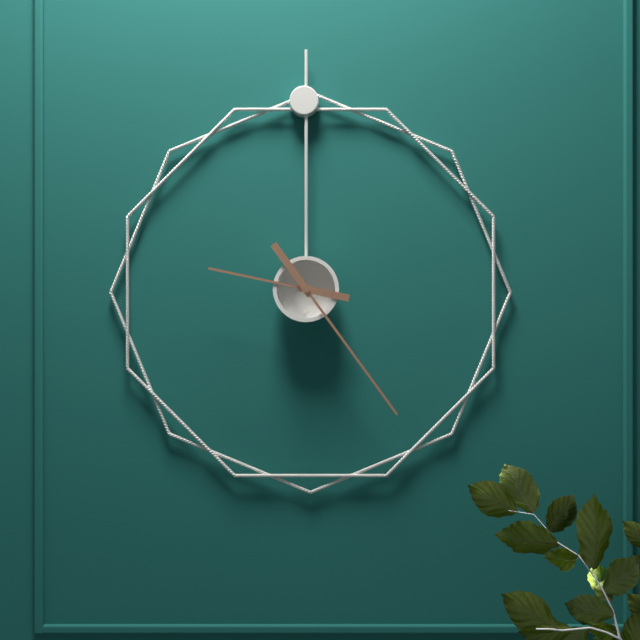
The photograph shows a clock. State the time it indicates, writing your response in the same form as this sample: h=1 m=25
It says h=9 m=24
